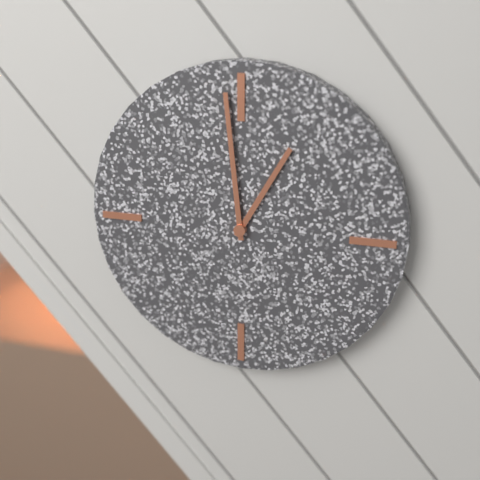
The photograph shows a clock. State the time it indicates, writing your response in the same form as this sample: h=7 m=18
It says h=12 m=59
